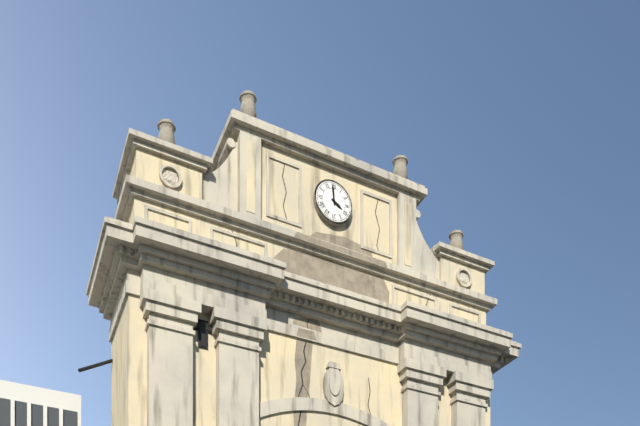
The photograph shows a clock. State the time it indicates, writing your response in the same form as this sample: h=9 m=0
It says h=3 m=59
